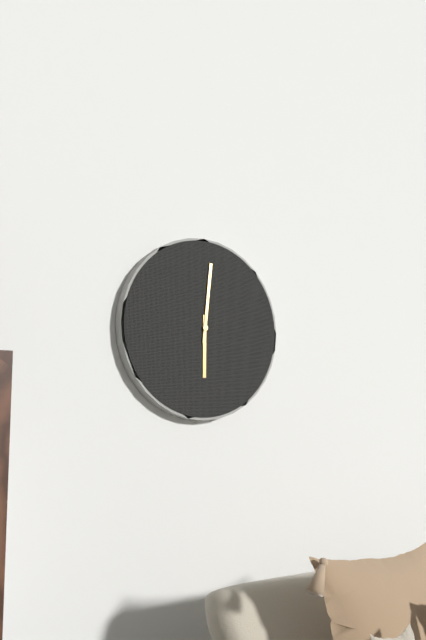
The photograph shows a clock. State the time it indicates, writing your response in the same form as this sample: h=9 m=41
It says h=6 m=1
